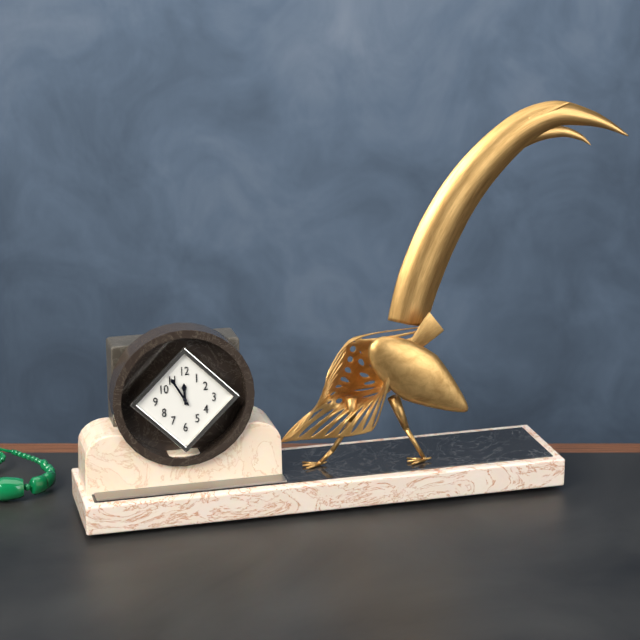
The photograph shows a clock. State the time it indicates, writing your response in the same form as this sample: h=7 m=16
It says h=11 m=55
